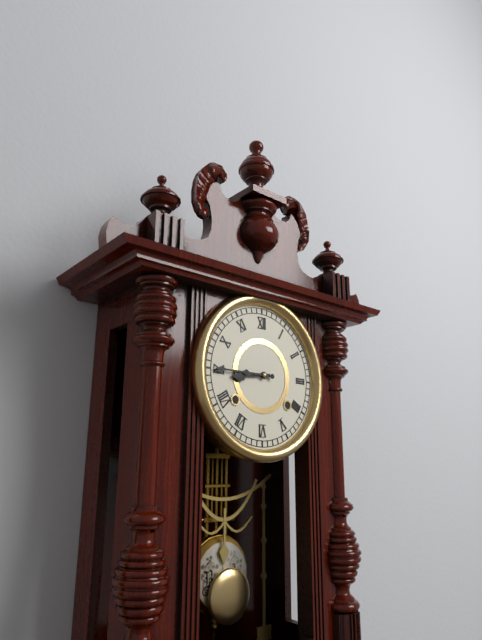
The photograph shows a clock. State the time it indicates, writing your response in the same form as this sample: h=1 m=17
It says h=8 m=45
